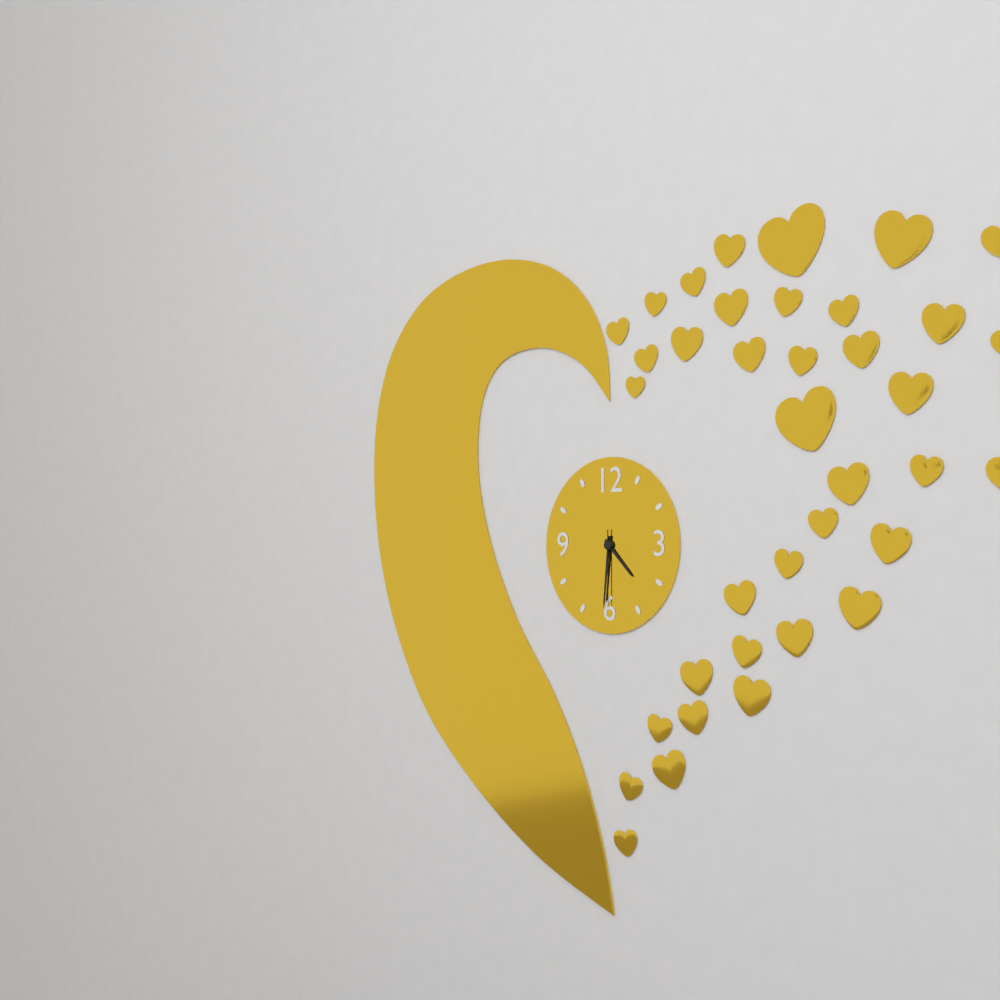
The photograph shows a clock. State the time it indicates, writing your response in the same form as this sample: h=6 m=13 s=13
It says h=4 m=31 s=30
